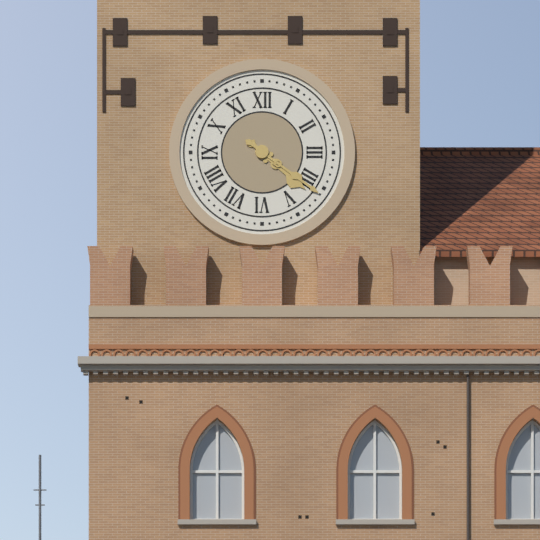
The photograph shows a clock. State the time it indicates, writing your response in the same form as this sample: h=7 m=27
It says h=4 m=21
